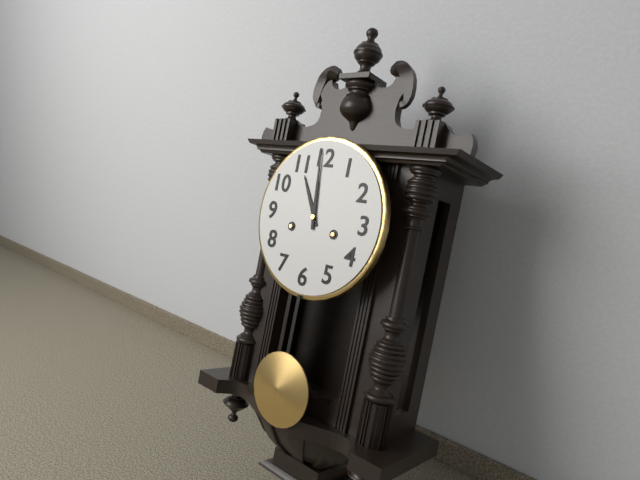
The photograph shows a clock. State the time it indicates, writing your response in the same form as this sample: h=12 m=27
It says h=10 m=59
